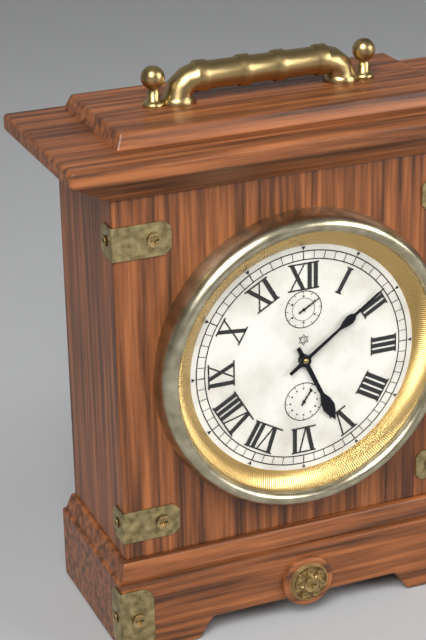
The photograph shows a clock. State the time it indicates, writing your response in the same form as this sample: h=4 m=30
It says h=5 m=9
